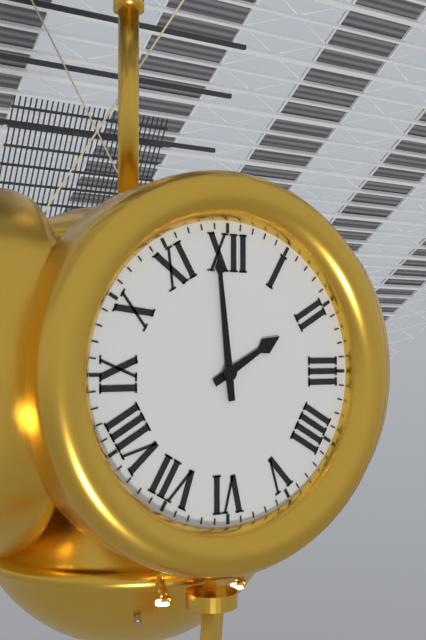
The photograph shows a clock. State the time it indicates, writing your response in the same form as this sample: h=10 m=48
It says h=1 m=59
